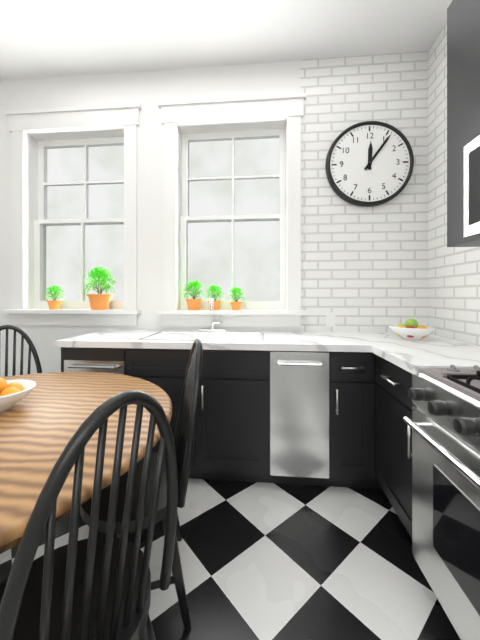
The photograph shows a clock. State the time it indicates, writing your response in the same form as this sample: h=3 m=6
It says h=12 m=6
